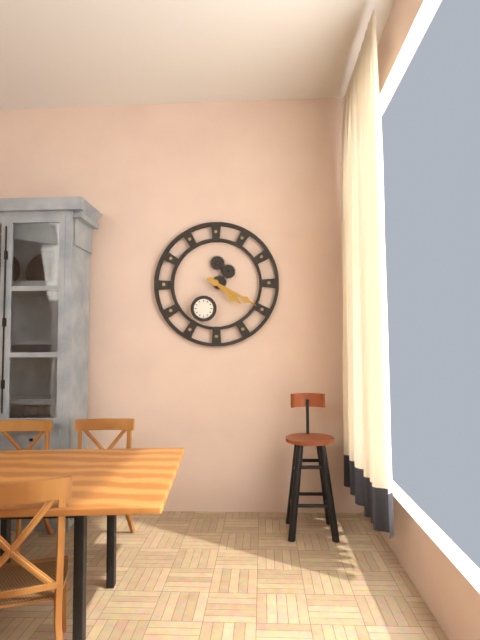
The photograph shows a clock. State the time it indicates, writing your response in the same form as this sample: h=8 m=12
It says h=4 m=20
